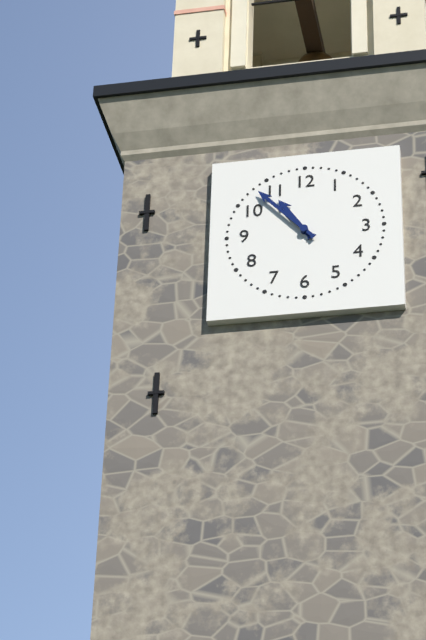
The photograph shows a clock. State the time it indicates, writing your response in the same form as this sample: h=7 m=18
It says h=10 m=53
